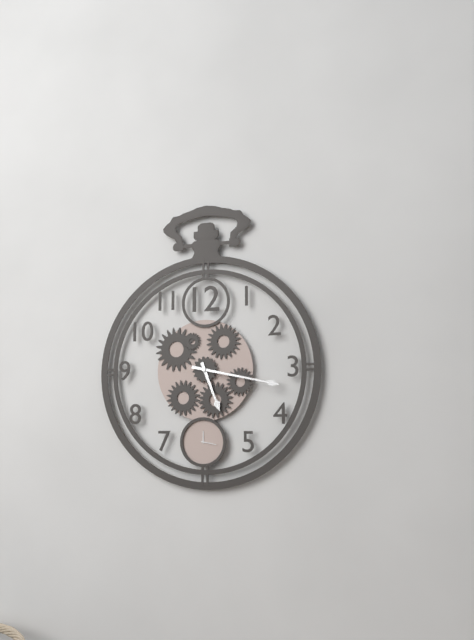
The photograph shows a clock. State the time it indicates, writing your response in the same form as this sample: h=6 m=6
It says h=5 m=17
